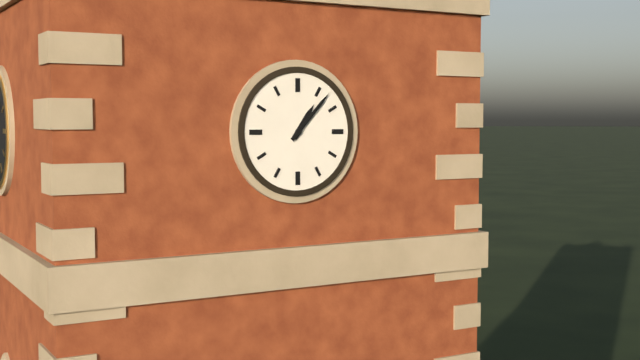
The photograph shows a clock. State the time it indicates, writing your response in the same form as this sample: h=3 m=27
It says h=1 m=7
